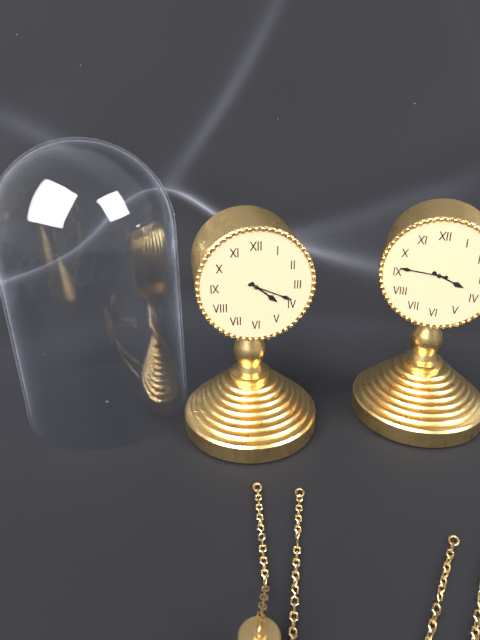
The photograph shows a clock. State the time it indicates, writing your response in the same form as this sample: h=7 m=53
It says h=4 m=19
